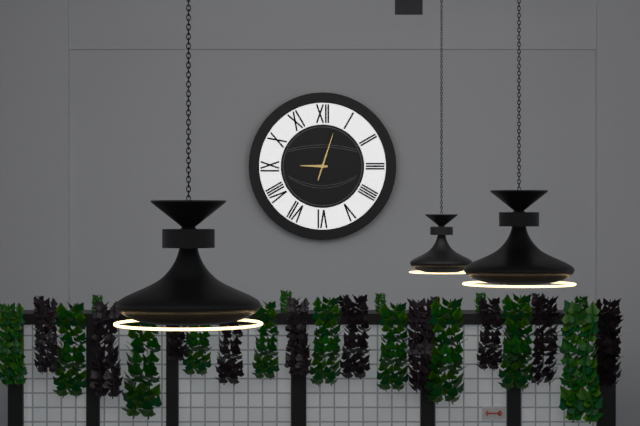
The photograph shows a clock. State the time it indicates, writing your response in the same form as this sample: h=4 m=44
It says h=9 m=3
